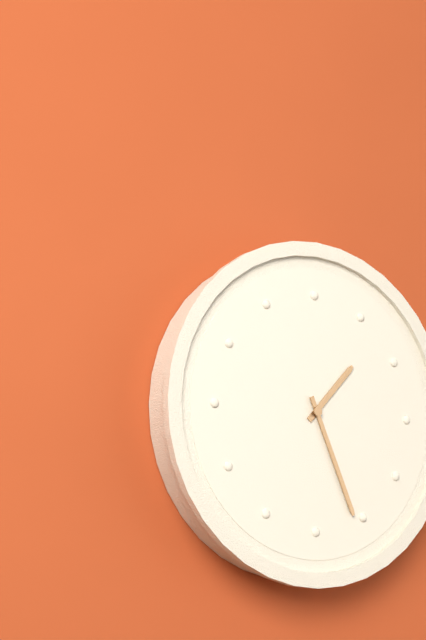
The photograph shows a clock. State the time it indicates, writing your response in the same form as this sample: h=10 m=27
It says h=1 m=26
